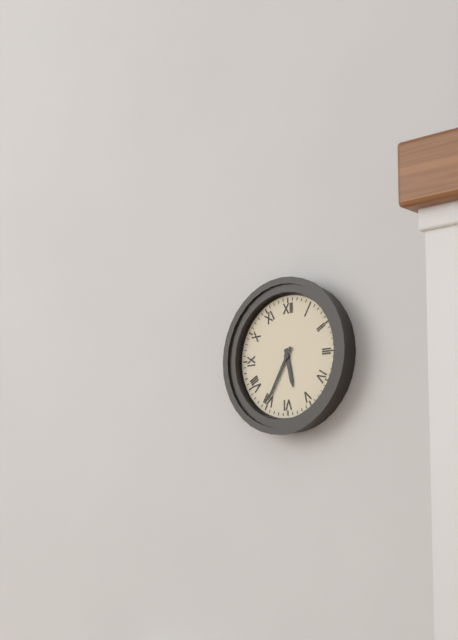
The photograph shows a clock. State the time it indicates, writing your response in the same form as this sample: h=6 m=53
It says h=5 m=35
